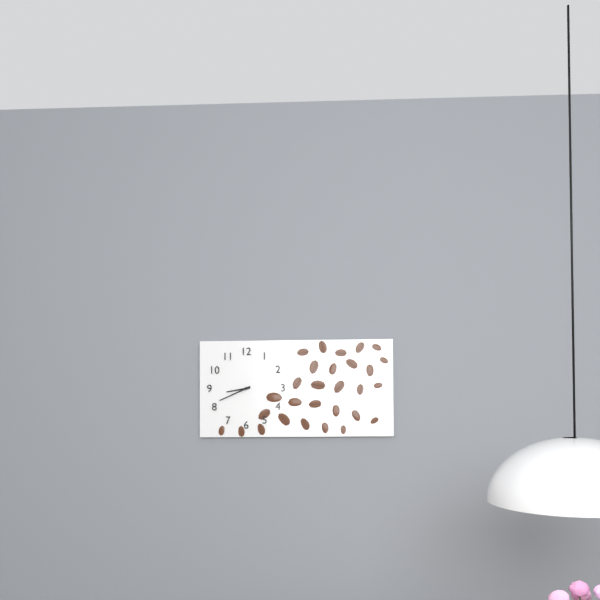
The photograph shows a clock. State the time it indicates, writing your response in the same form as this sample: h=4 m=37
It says h=8 m=41
